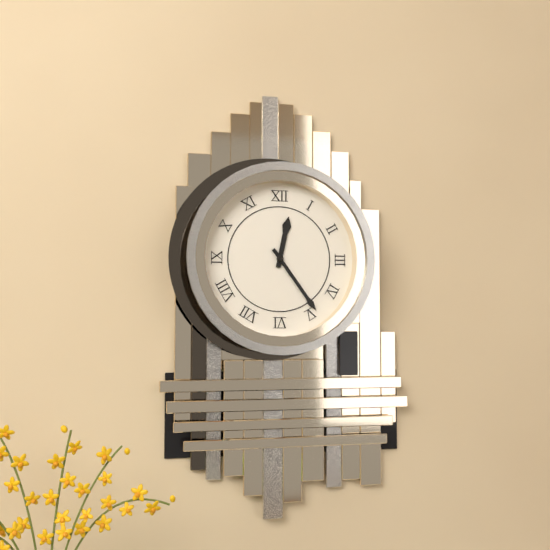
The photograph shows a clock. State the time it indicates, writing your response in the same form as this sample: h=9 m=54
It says h=12 m=24
